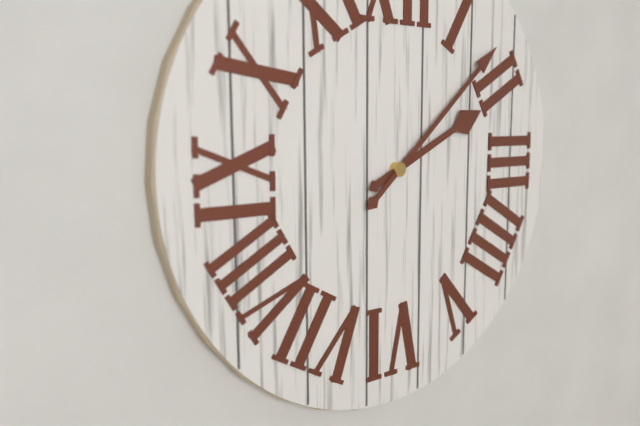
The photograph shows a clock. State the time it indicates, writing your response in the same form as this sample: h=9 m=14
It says h=2 m=8
